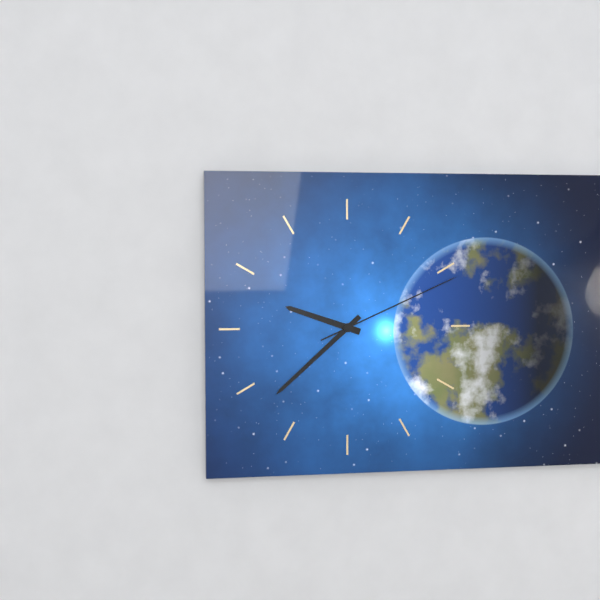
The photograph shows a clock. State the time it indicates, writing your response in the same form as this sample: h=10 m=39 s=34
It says h=9 m=38 s=11
